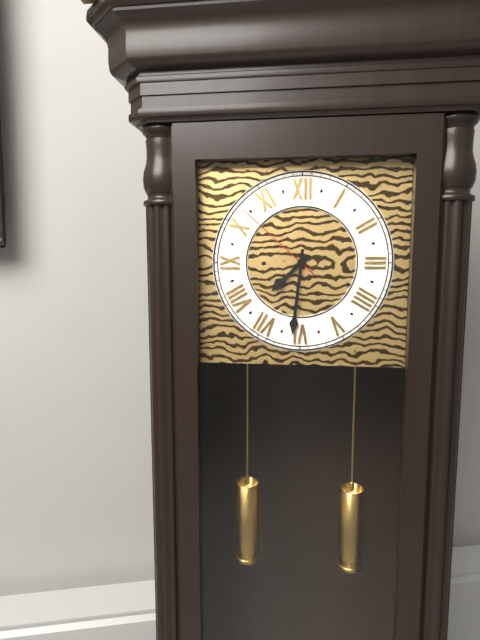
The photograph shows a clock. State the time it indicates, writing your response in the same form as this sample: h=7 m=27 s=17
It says h=7 m=31 s=52
